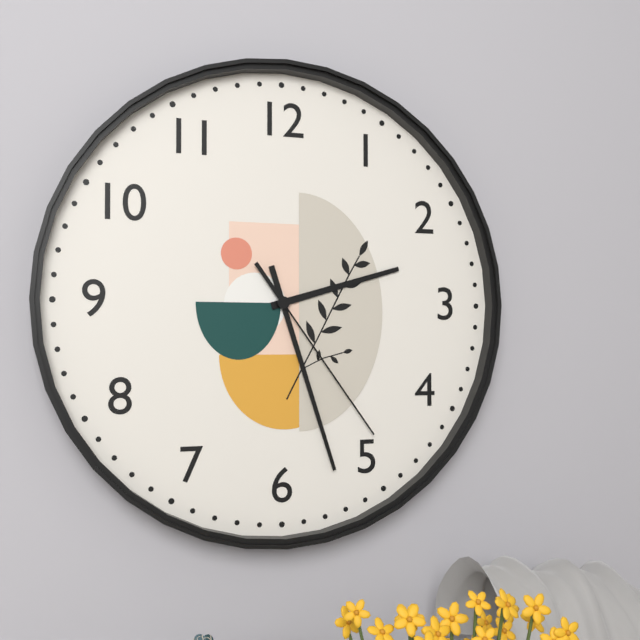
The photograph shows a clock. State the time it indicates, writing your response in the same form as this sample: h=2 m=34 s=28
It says h=2 m=27 s=24
